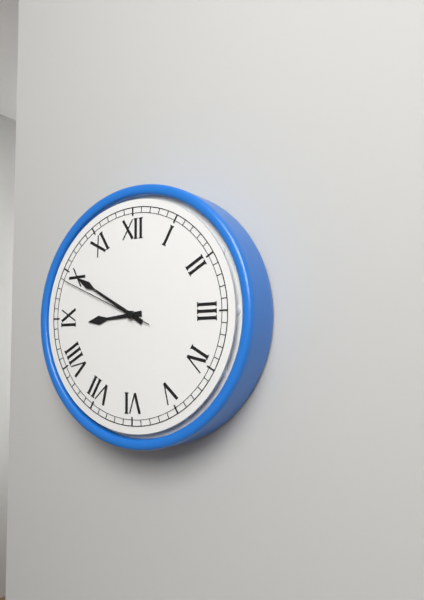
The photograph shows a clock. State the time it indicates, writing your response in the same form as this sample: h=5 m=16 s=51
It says h=8 m=50 s=49
